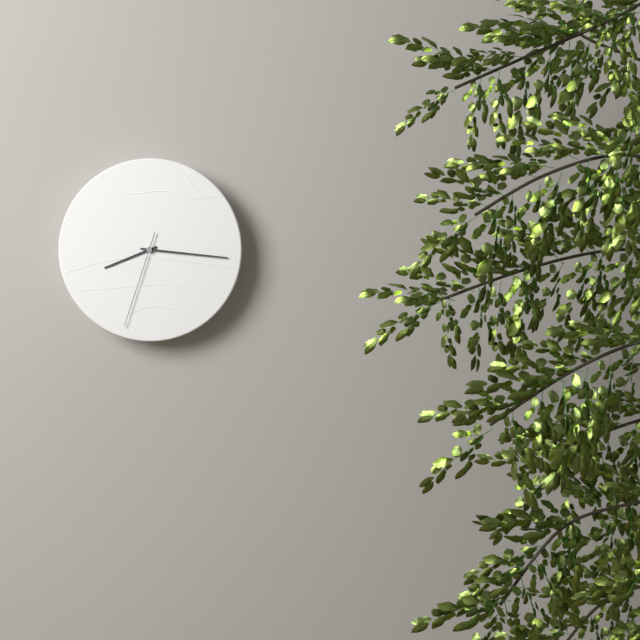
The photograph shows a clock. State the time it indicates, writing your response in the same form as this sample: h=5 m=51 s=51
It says h=8 m=16 s=33
